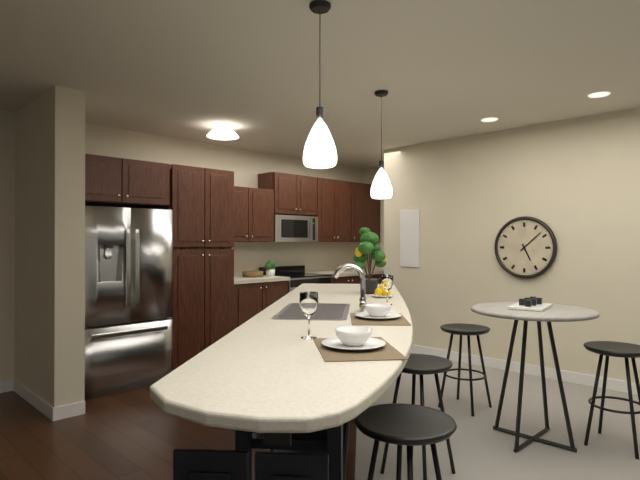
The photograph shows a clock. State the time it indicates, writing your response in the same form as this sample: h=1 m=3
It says h=5 m=8
